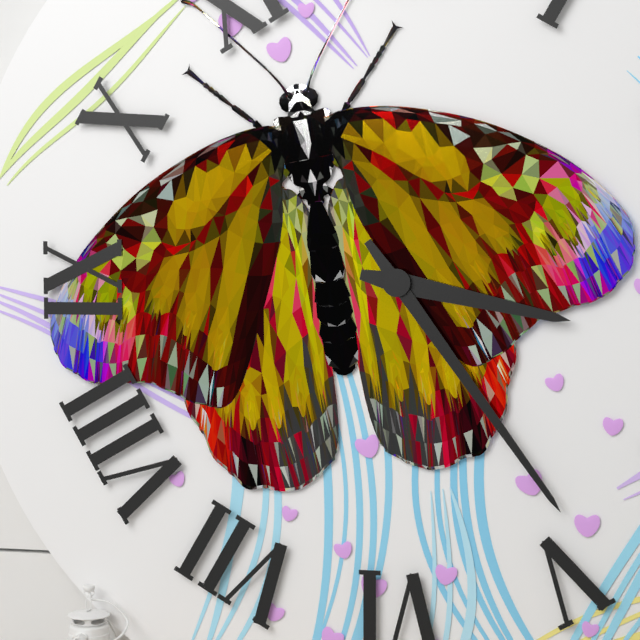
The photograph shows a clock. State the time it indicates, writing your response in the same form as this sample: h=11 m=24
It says h=3 m=24
